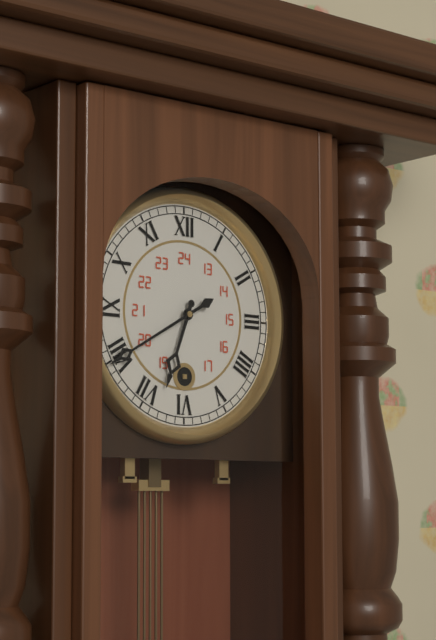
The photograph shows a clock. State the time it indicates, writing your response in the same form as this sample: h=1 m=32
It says h=6 m=40
